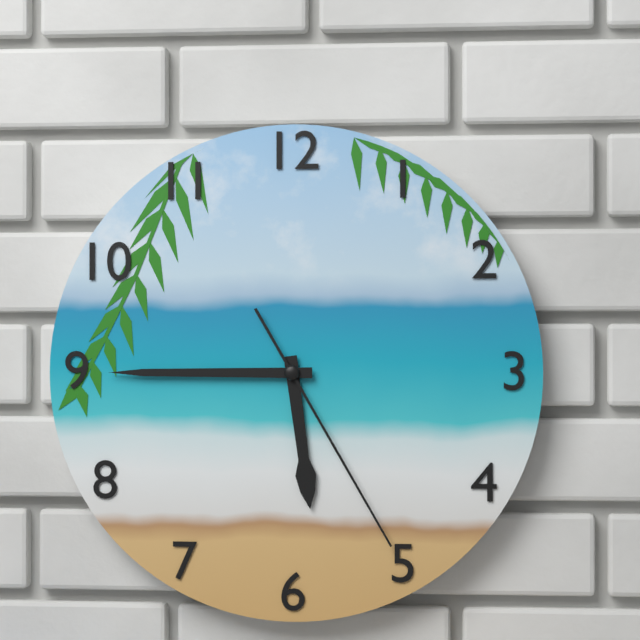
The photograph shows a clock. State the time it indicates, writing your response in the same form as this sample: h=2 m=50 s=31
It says h=5 m=45 s=25
